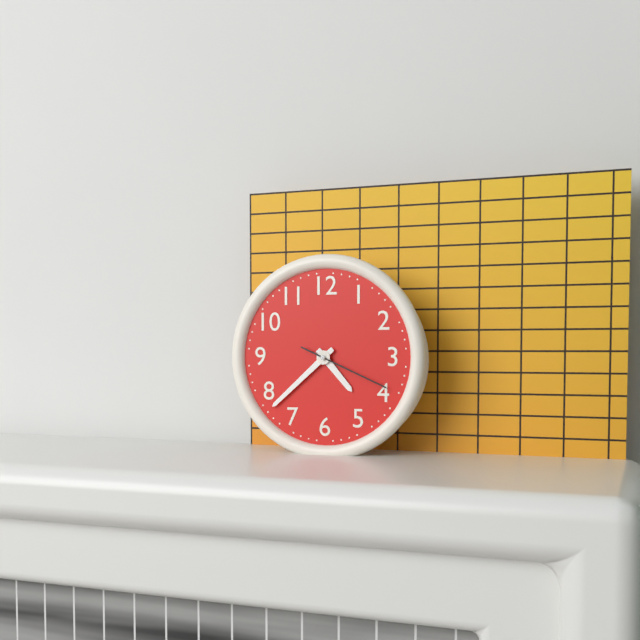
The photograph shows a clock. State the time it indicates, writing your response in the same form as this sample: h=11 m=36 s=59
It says h=4 m=38 s=19
